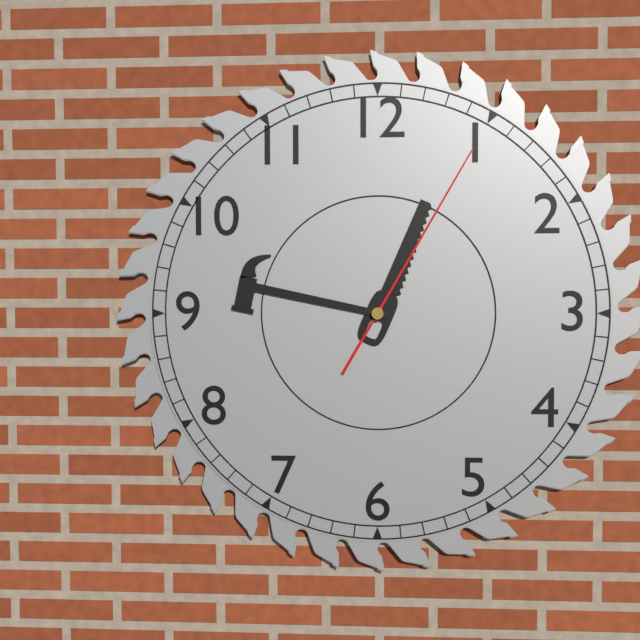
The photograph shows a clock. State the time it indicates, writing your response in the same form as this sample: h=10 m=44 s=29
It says h=12 m=47 s=5
